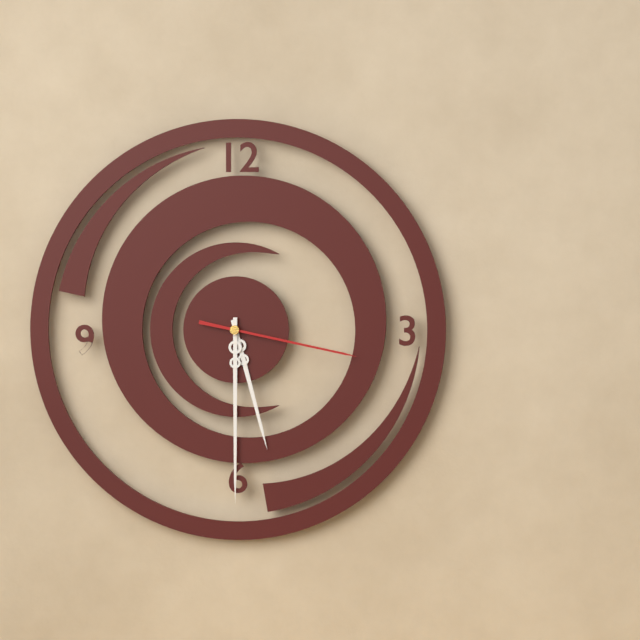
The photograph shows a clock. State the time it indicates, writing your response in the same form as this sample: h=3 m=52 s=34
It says h=5 m=30 s=17
